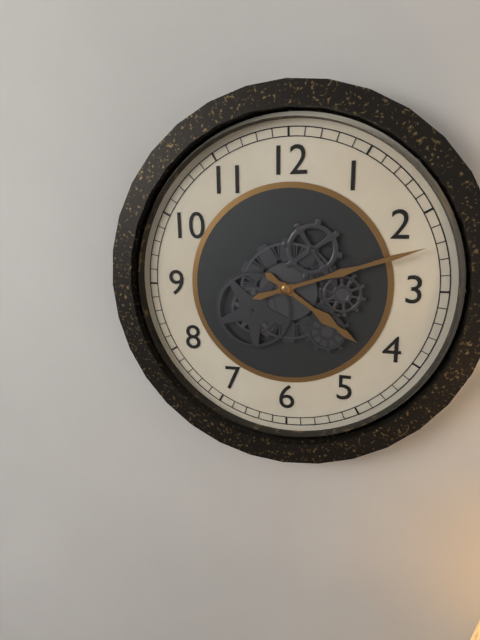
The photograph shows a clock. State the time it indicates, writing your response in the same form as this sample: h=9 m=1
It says h=4 m=12
